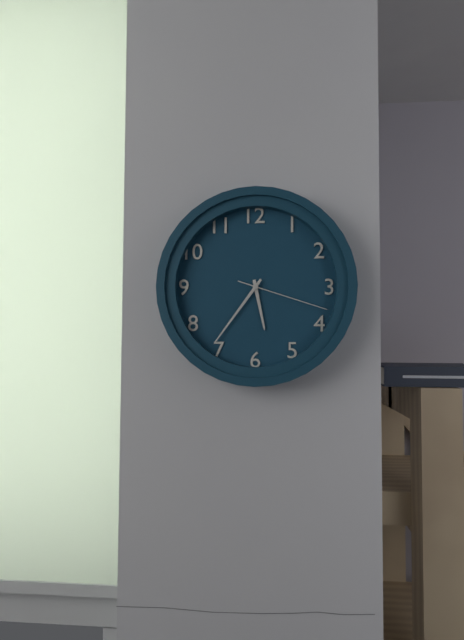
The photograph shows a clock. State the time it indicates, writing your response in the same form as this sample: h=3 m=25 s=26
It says h=5 m=36 s=18
